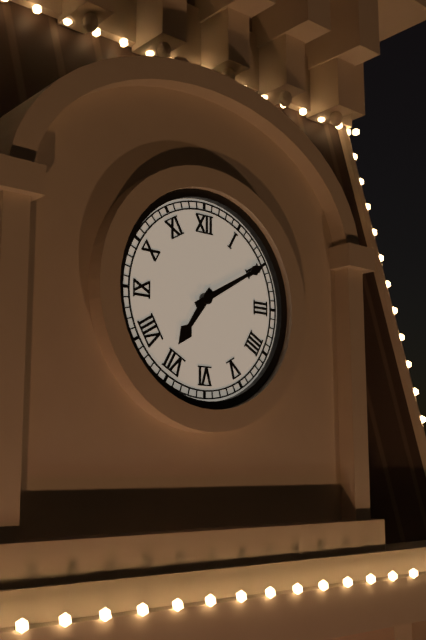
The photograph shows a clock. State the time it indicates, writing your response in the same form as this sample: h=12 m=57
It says h=7 m=10
